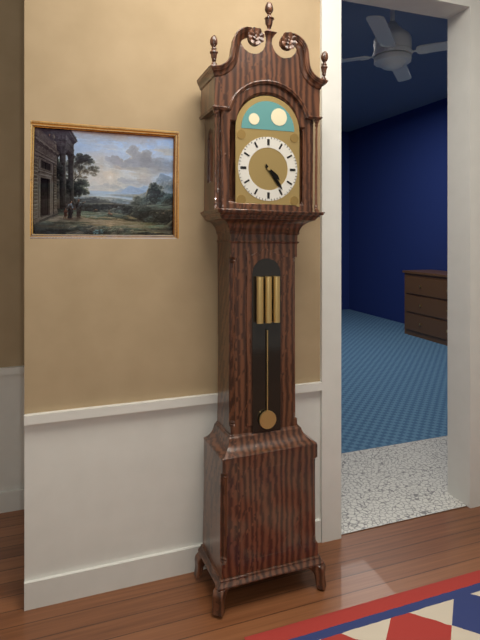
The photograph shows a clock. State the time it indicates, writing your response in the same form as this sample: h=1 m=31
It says h=4 m=24
